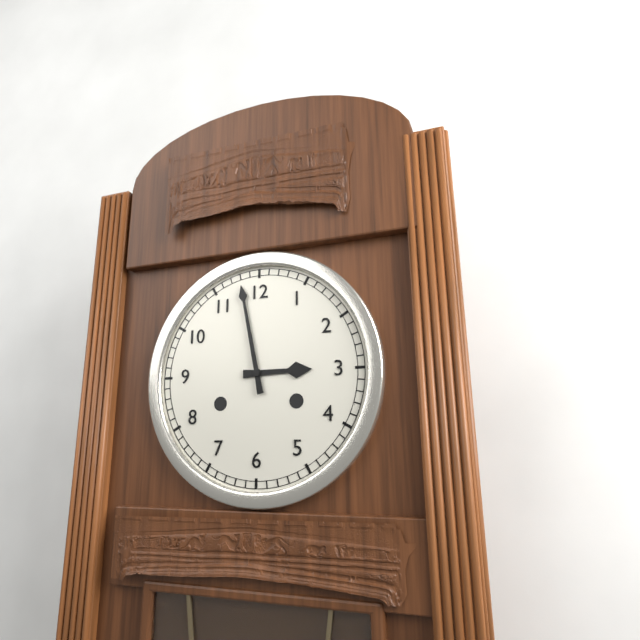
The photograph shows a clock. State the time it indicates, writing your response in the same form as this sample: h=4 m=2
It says h=2 m=58
